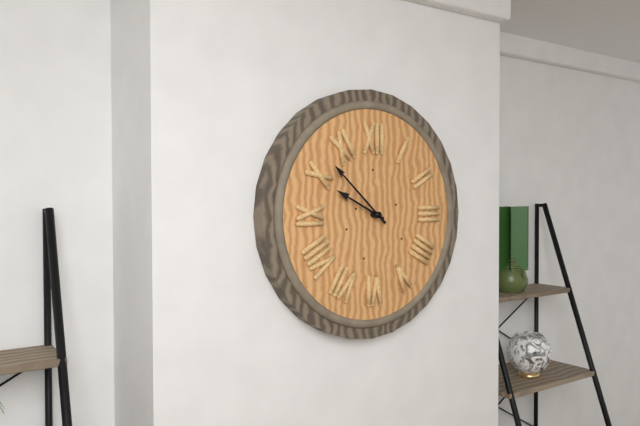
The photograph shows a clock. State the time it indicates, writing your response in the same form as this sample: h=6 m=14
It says h=9 m=52
